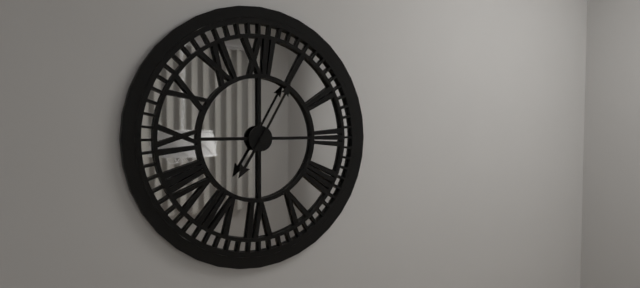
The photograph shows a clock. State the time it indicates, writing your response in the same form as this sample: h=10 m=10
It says h=7 m=5
